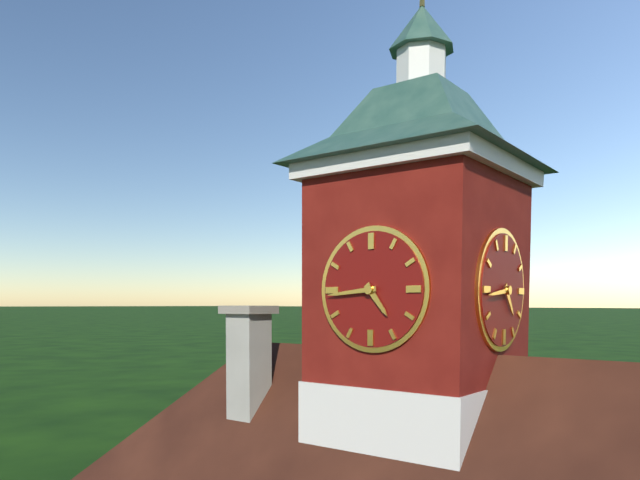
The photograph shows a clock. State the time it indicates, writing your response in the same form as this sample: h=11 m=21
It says h=4 m=44
